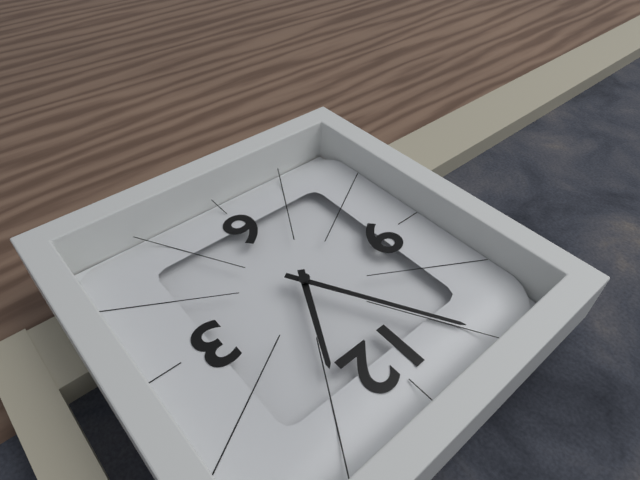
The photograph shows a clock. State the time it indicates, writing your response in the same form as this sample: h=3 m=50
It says h=12 m=55
